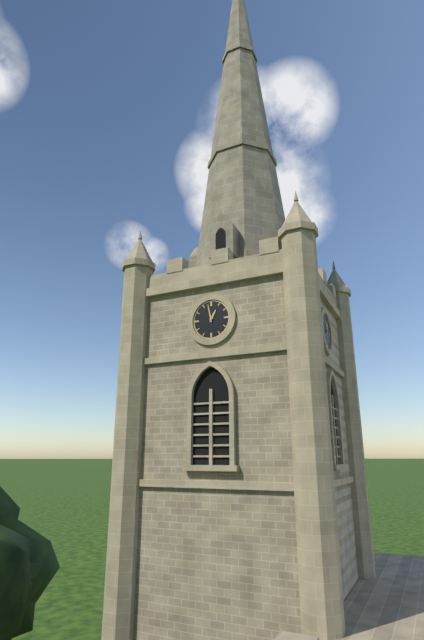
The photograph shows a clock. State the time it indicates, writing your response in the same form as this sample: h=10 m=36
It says h=12 m=58
